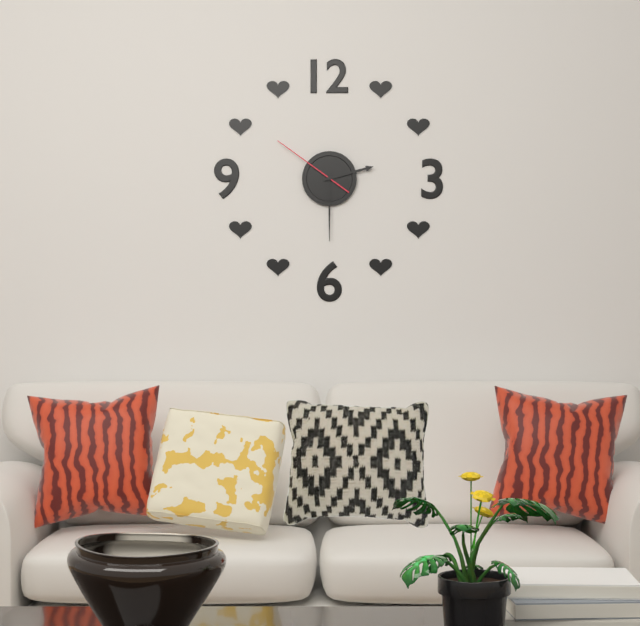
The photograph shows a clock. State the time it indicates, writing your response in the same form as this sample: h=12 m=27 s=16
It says h=2 m=30 s=51
